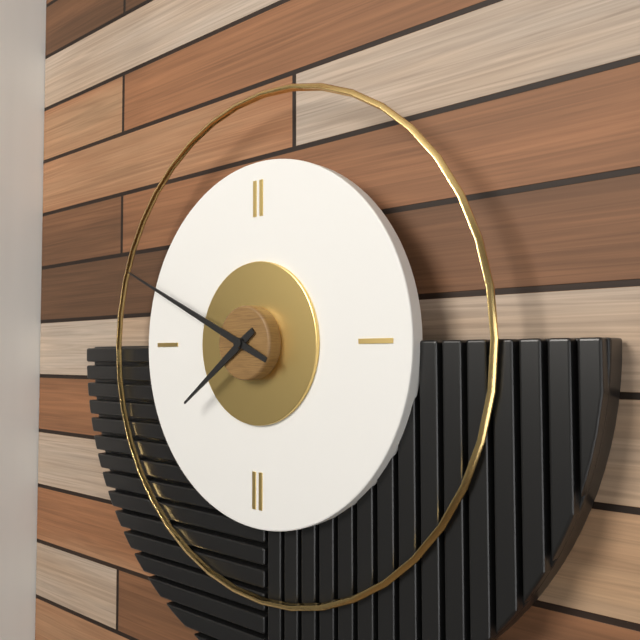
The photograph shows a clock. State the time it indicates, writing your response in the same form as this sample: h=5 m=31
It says h=7 m=49
